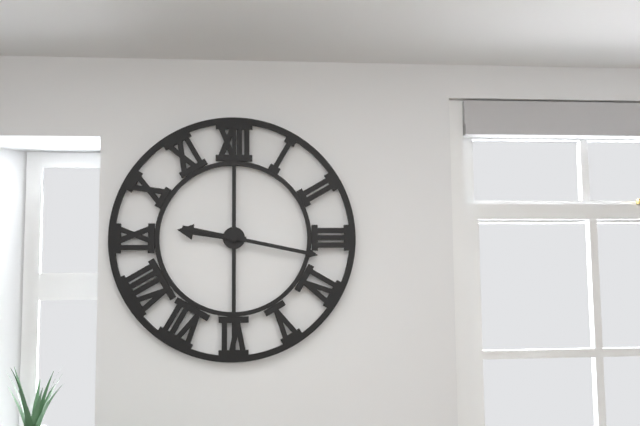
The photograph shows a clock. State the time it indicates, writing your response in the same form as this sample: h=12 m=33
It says h=9 m=17
